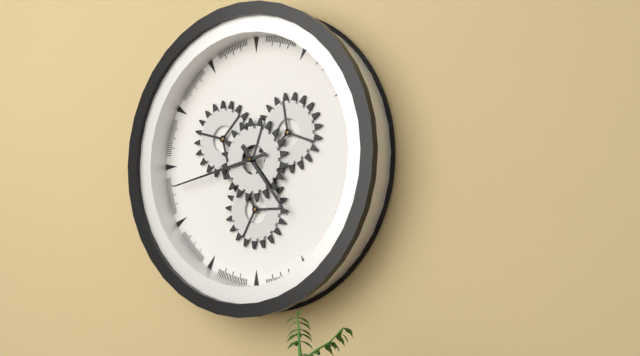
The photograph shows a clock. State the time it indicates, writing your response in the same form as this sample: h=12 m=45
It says h=4 m=43
